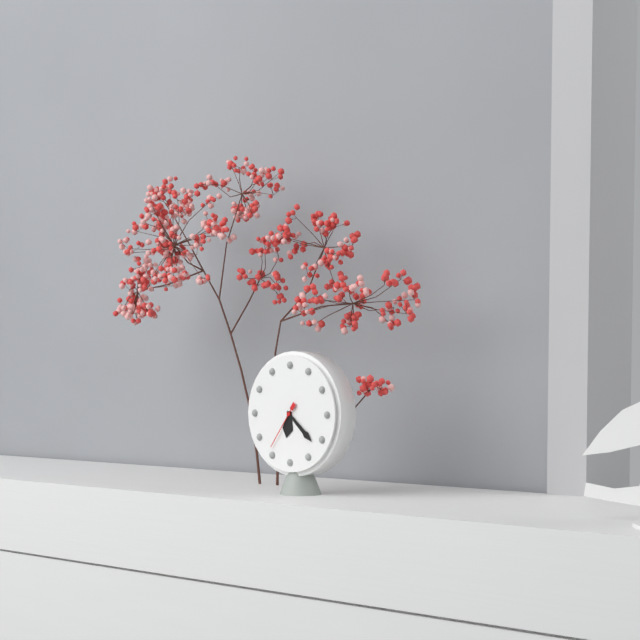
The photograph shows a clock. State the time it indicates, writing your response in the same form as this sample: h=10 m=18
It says h=6 m=22
